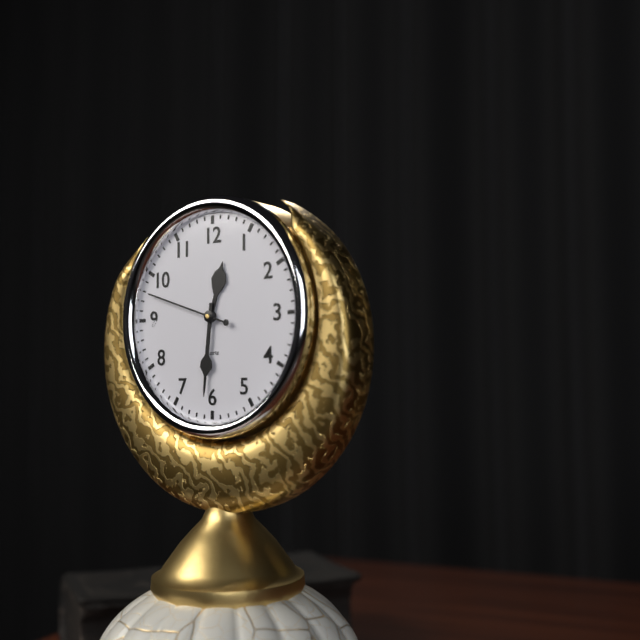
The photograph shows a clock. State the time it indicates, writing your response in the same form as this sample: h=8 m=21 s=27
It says h=12 m=31 s=48
